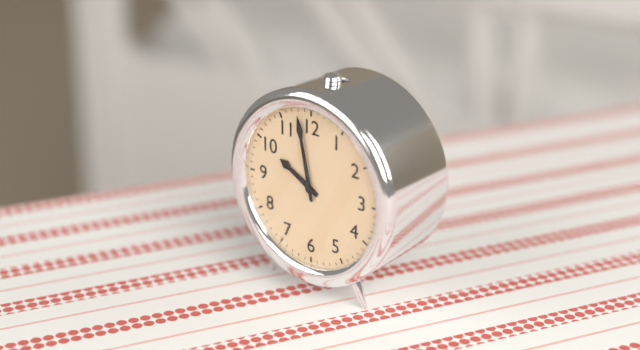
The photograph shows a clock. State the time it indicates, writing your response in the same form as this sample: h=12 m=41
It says h=9 m=58
